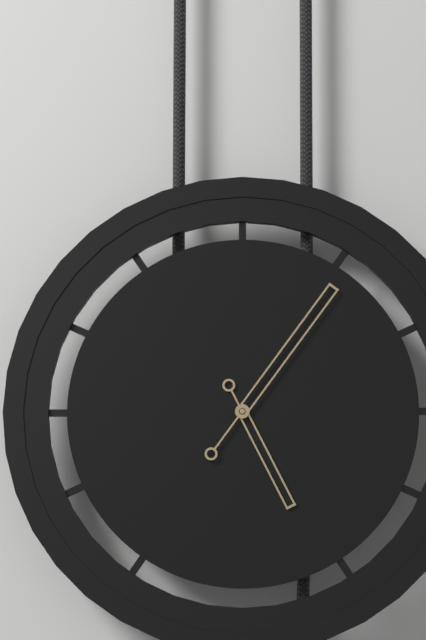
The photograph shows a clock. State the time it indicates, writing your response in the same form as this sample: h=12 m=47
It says h=5 m=6
